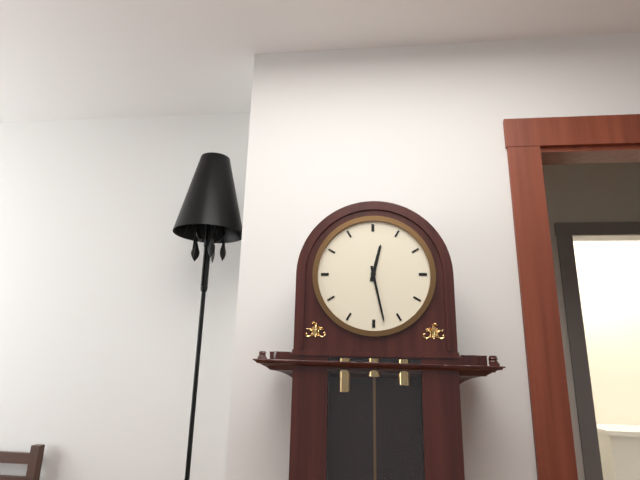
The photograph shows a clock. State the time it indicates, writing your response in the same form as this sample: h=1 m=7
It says h=12 m=28
